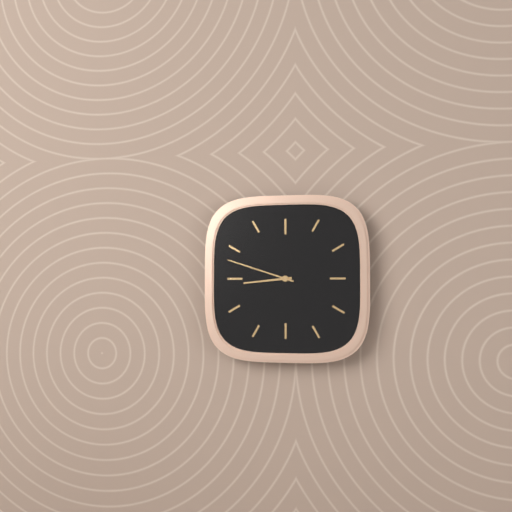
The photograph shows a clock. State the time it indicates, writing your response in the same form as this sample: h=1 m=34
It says h=8 m=48
